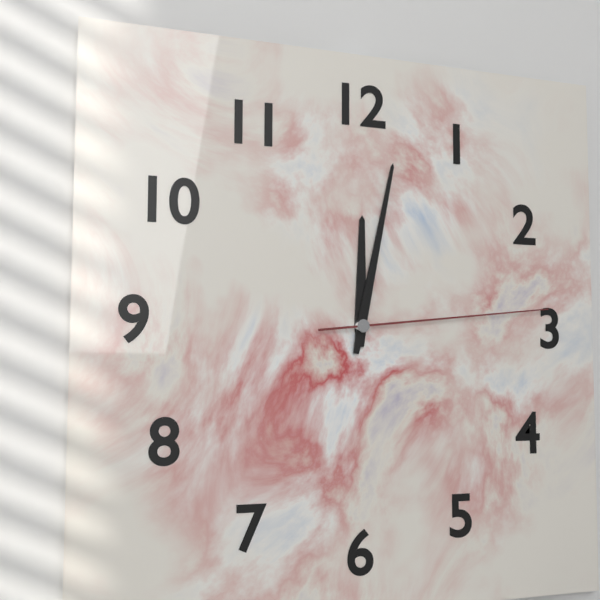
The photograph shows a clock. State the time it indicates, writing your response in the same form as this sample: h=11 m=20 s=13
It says h=12 m=2 s=14
